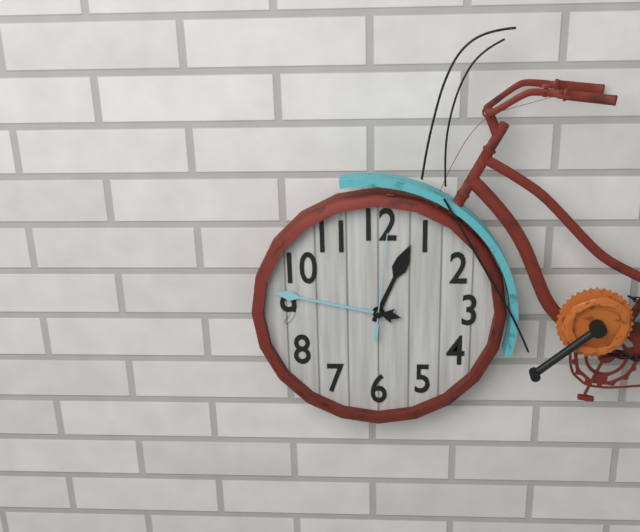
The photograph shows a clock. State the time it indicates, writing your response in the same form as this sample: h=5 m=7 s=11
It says h=12 m=47 s=1
